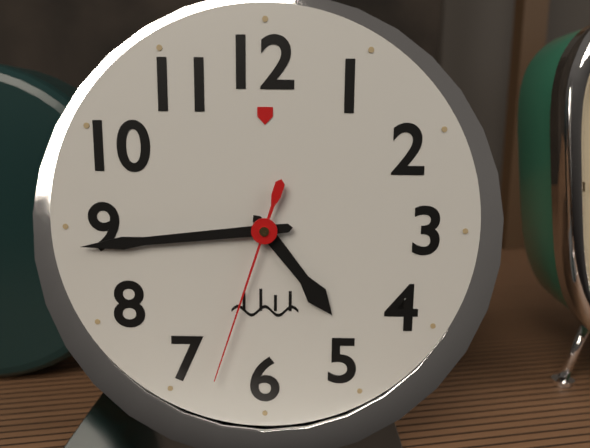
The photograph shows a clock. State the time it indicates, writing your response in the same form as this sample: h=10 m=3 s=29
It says h=4 m=44 s=33
